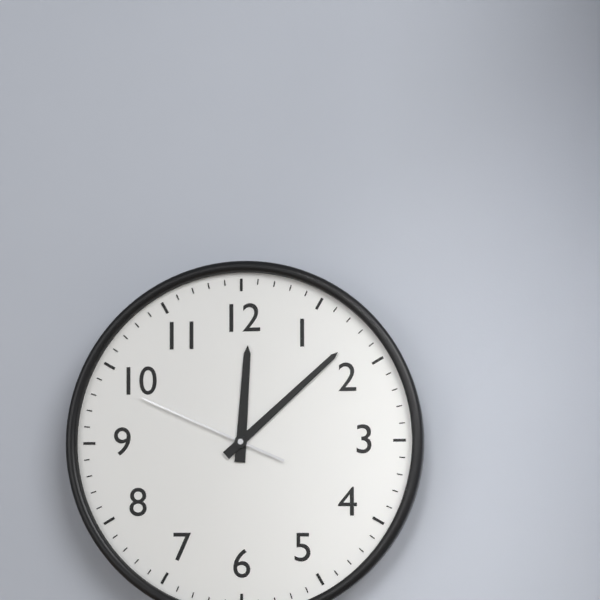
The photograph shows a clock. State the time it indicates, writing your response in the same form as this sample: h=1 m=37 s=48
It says h=12 m=8 s=49
